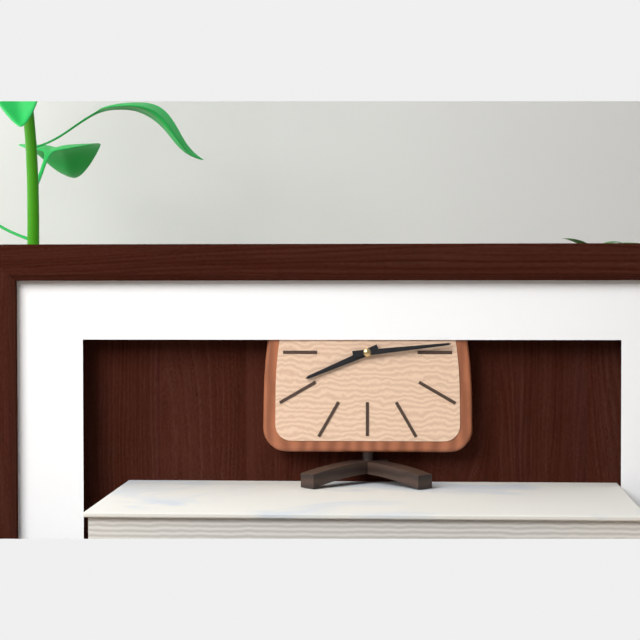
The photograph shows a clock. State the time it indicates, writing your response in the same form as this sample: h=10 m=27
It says h=8 m=14
